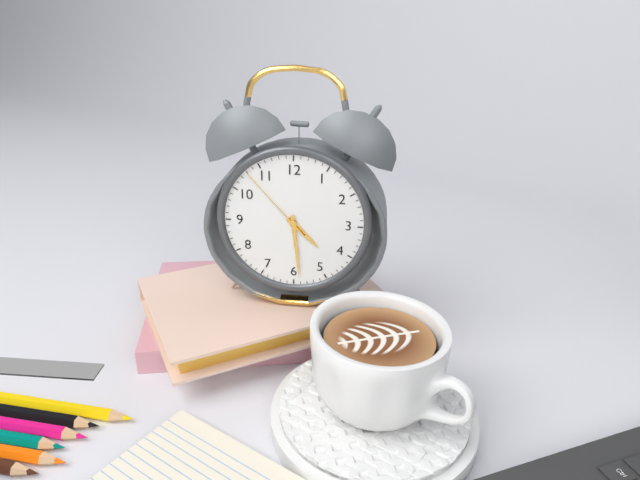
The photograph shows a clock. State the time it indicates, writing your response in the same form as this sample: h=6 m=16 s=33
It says h=4 m=29 s=53
